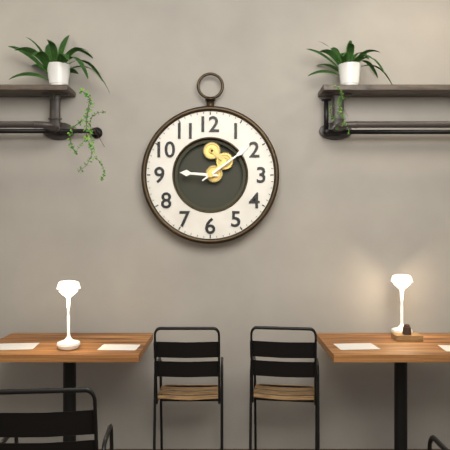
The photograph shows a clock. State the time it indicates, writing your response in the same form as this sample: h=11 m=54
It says h=9 m=9
